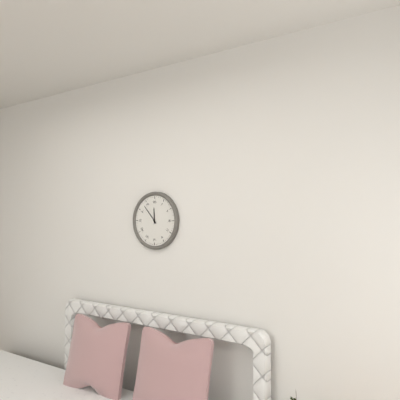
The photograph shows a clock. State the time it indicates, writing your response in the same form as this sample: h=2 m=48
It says h=11 m=53
